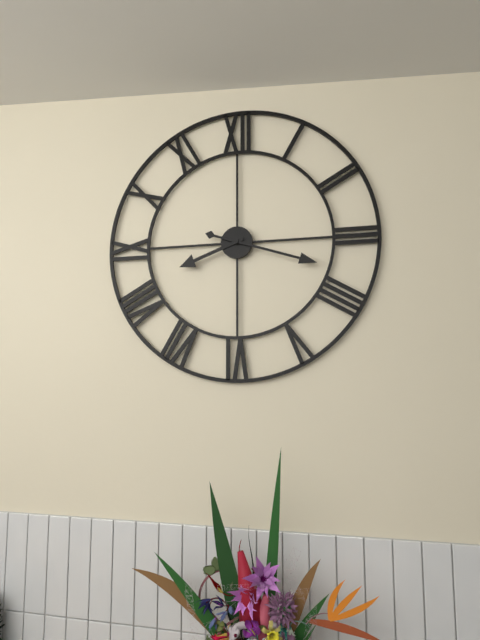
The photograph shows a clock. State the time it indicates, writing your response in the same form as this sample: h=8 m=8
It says h=8 m=18
